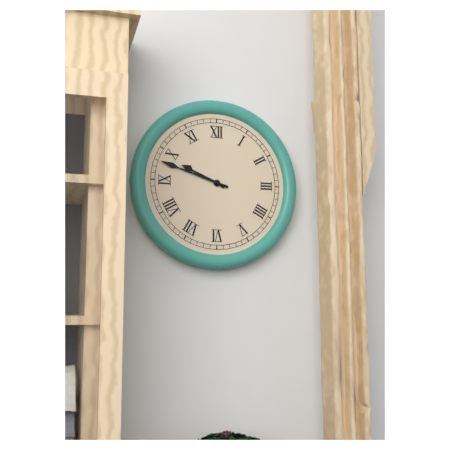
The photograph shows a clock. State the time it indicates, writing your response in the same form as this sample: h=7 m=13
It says h=9 m=48
